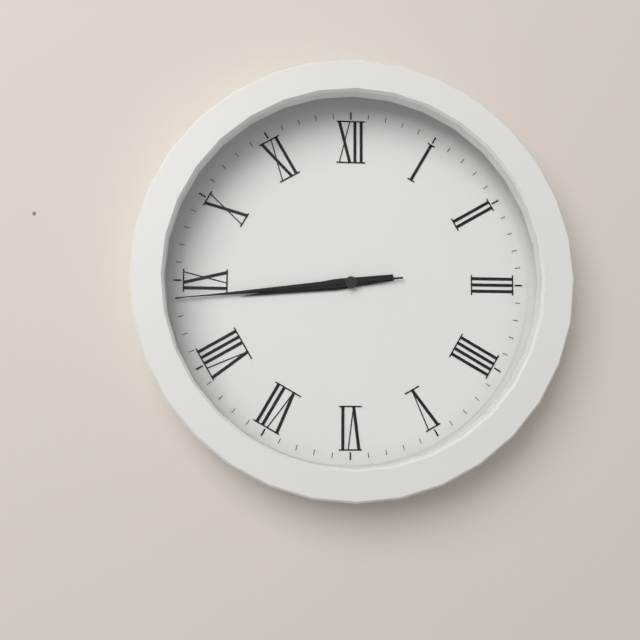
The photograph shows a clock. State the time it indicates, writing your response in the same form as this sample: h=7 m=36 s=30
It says h=8 m=44 s=44
